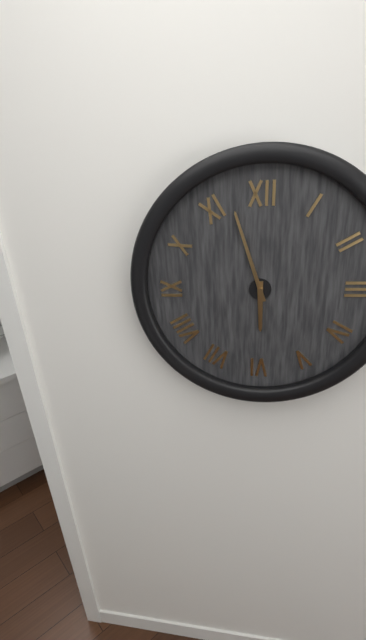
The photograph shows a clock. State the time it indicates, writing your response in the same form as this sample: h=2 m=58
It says h=5 m=57
